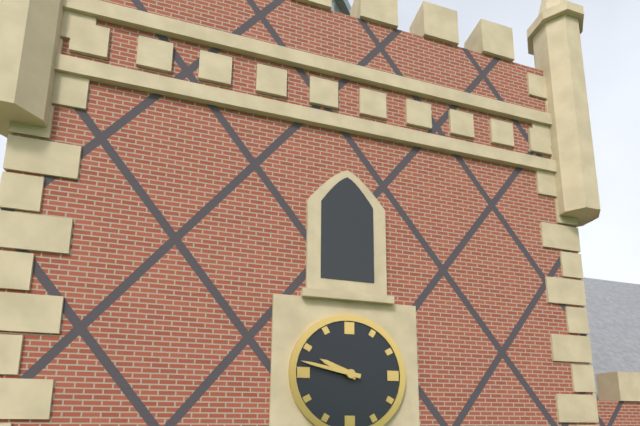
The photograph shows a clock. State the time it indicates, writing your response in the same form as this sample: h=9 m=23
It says h=9 m=47
